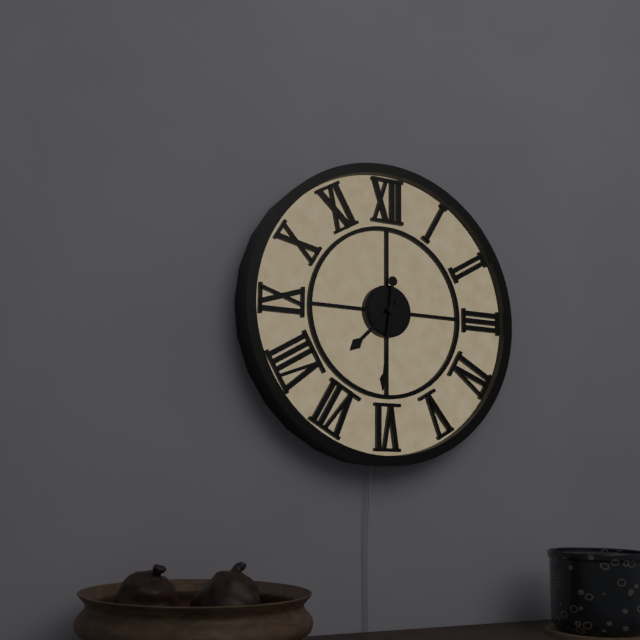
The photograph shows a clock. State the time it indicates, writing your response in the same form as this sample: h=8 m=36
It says h=7 m=31
